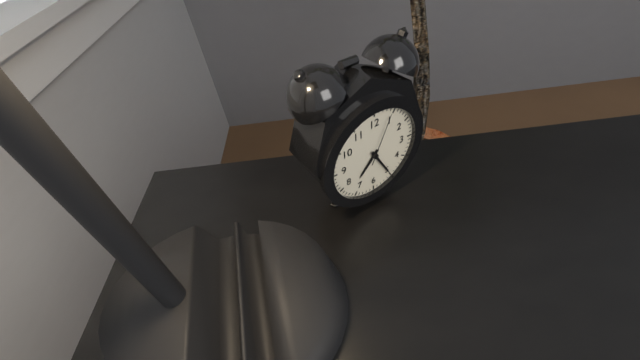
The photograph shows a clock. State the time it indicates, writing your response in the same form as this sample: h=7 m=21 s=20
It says h=7 m=25 s=4
